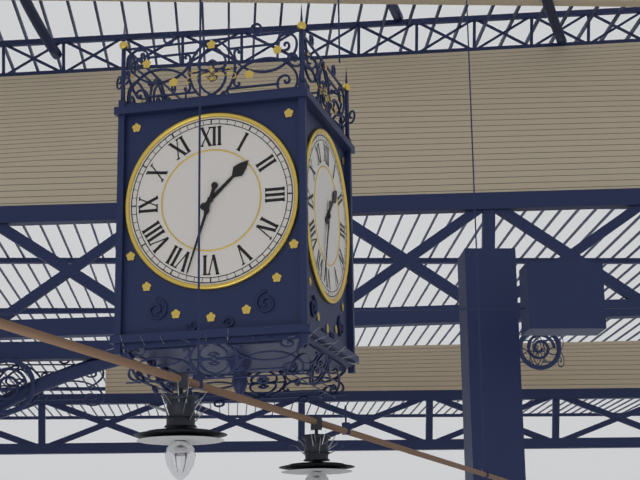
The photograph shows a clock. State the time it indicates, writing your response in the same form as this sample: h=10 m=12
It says h=1 m=33
